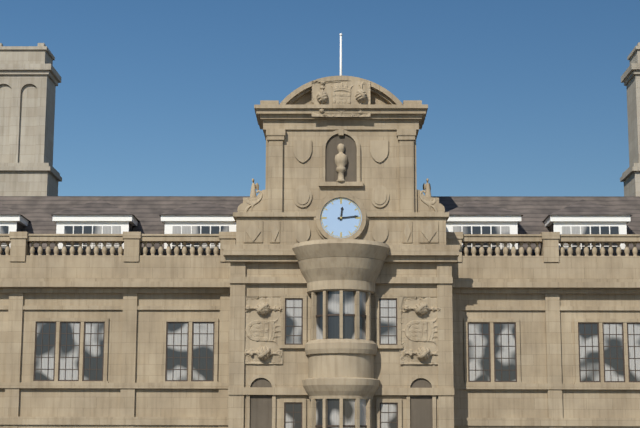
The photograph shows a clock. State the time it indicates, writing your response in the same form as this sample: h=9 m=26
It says h=12 m=14
